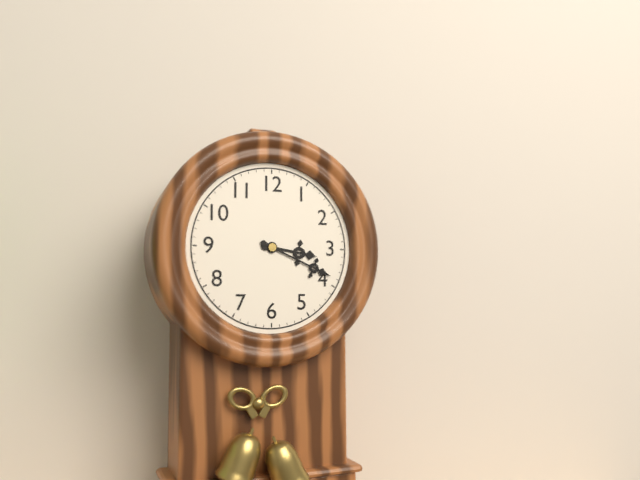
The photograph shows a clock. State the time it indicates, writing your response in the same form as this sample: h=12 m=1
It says h=3 m=19
